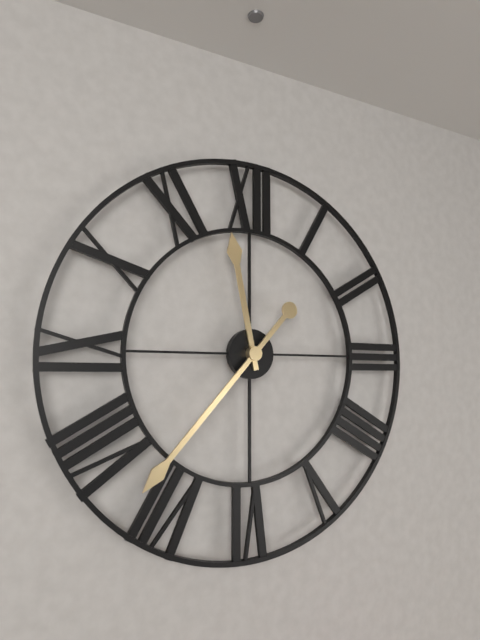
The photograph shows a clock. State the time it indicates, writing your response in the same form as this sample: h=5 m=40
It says h=11 m=37
